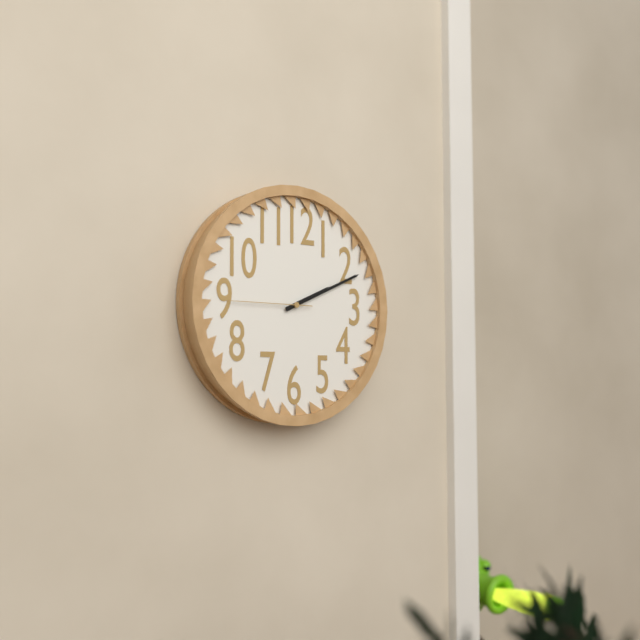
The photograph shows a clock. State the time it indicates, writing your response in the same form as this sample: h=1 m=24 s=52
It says h=2 m=11 s=45
